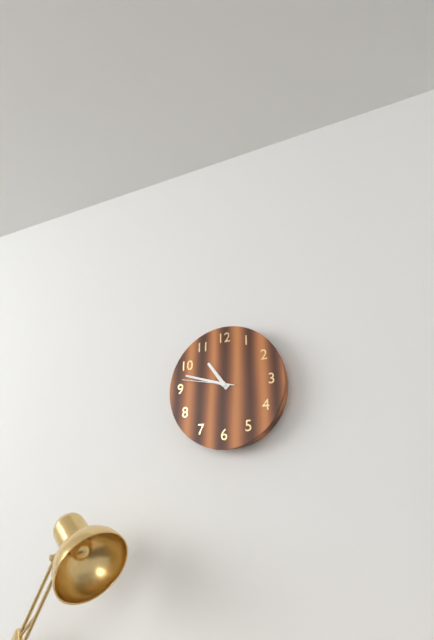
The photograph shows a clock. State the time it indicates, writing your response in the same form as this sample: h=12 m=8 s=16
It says h=10 m=48 s=47
